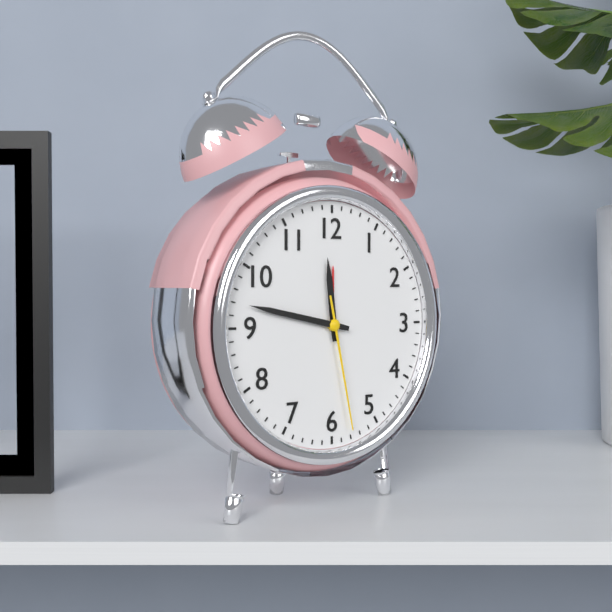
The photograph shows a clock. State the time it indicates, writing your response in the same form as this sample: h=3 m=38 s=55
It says h=11 m=47 s=28
